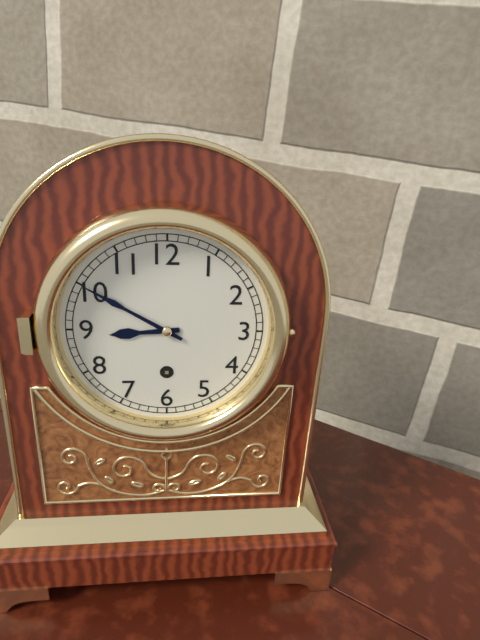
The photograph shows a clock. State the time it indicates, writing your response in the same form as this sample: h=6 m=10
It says h=8 m=50
